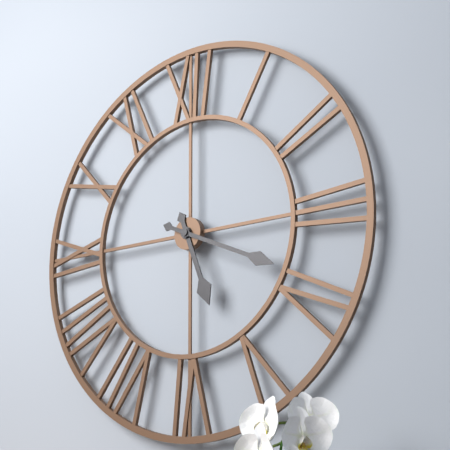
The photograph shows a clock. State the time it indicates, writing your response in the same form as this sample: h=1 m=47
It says h=5 m=19
